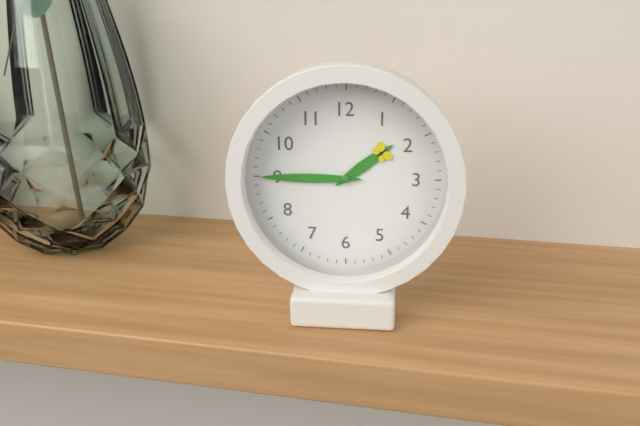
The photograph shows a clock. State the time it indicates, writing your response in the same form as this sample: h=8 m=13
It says h=1 m=45
